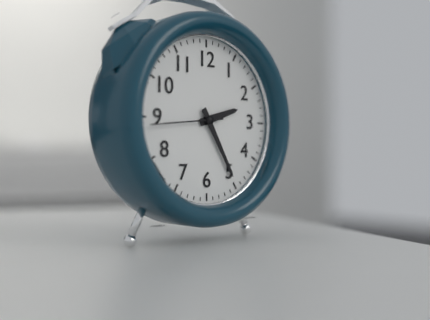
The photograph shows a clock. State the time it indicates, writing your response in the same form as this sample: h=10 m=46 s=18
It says h=2 m=25 s=44
